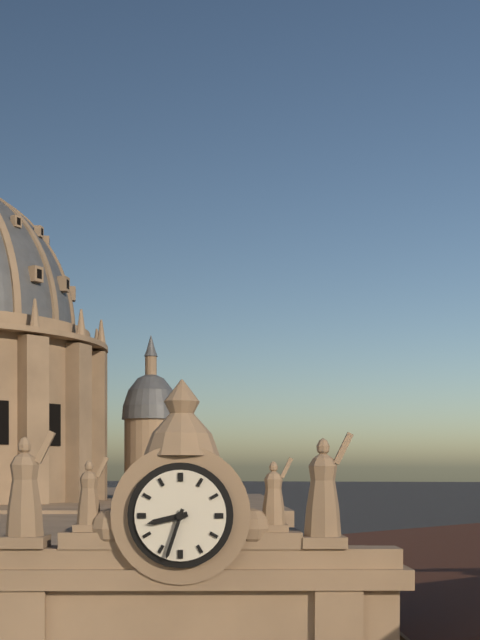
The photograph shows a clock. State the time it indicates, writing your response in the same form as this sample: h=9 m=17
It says h=8 m=33
